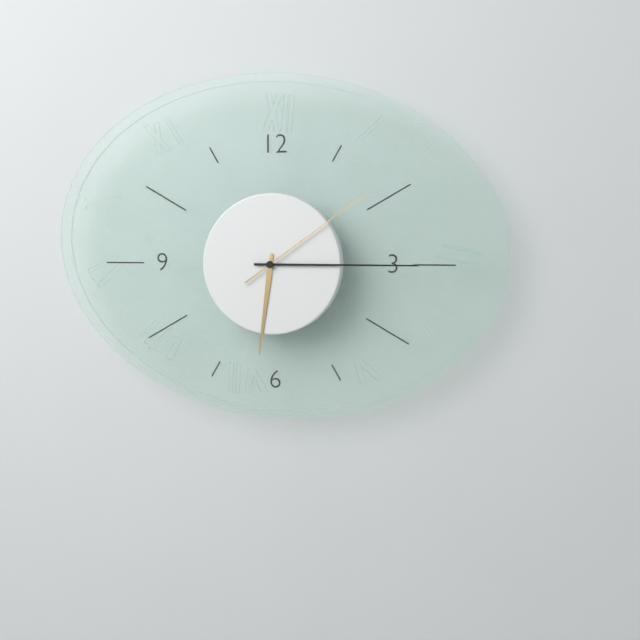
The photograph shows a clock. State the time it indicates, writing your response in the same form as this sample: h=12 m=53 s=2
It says h=6 m=15 s=9
